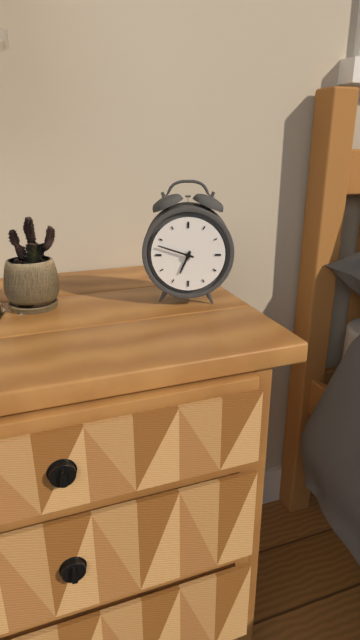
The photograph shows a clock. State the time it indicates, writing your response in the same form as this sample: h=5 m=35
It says h=6 m=48
